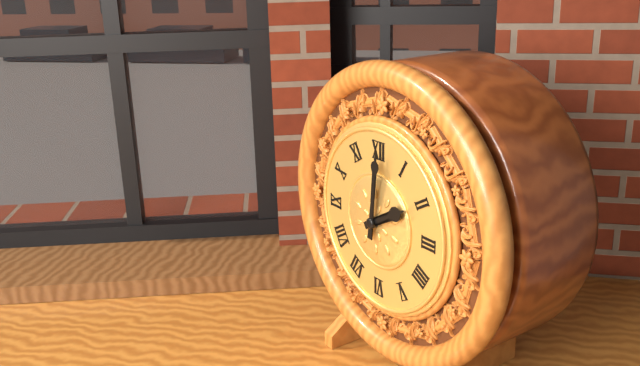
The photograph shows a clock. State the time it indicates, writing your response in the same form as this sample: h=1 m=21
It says h=2 m=1
